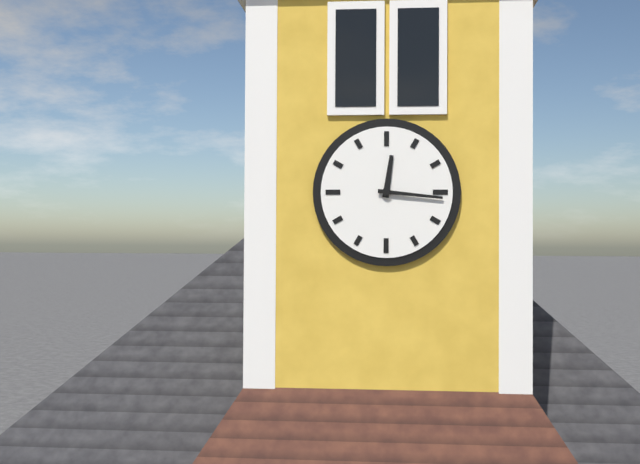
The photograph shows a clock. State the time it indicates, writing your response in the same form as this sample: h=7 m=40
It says h=12 m=16
